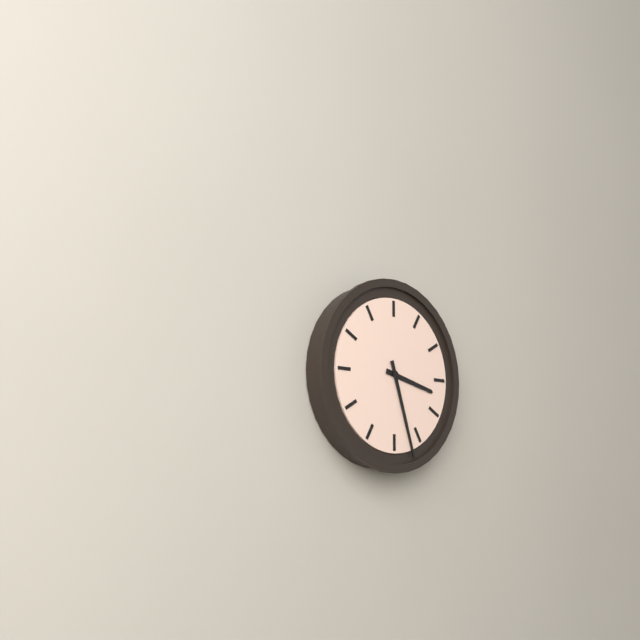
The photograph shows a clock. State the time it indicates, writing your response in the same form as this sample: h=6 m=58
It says h=3 m=27
